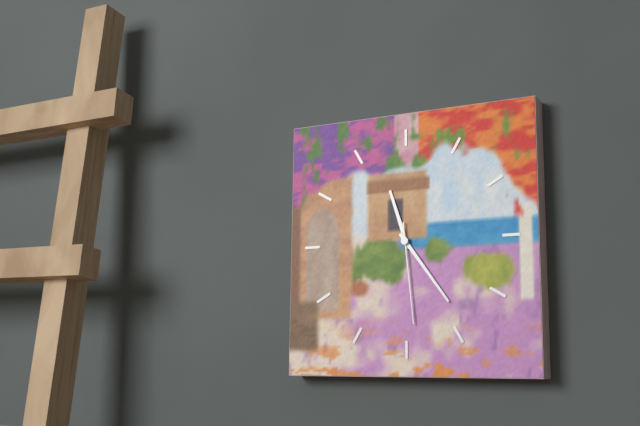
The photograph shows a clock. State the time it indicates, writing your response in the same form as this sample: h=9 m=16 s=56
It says h=11 m=24 s=29
